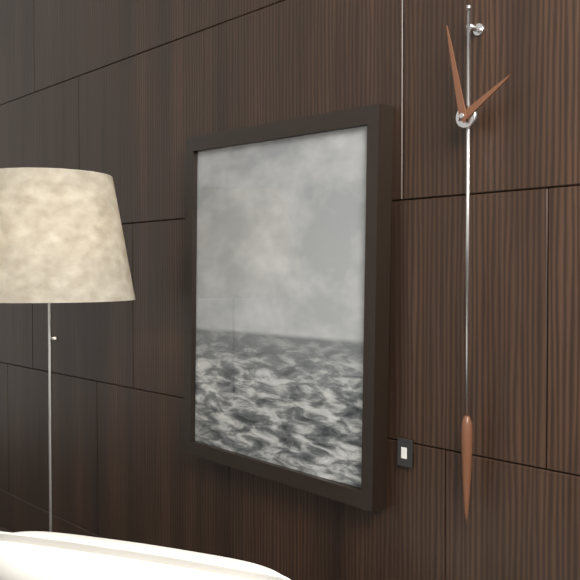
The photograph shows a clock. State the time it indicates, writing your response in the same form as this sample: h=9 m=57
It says h=1 m=58
